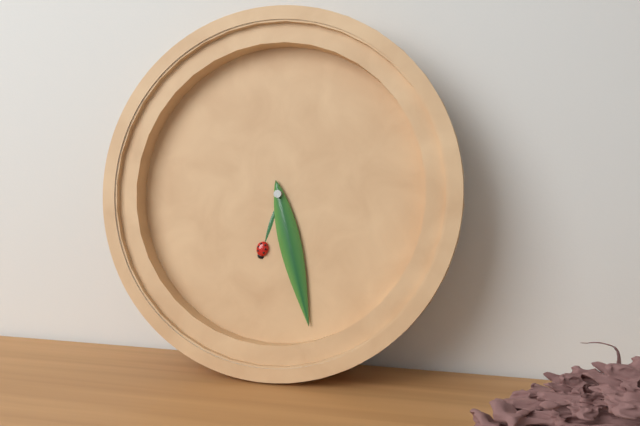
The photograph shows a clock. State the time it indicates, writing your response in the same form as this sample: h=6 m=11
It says h=6 m=27
